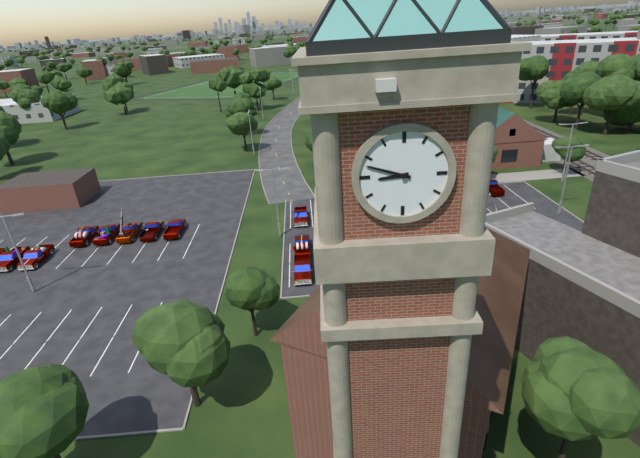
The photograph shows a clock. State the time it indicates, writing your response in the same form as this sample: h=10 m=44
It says h=8 m=48
